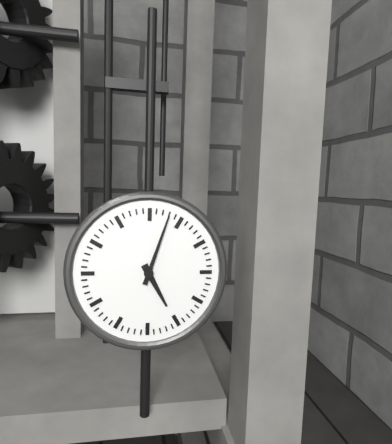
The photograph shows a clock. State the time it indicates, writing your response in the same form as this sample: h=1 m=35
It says h=5 m=3
